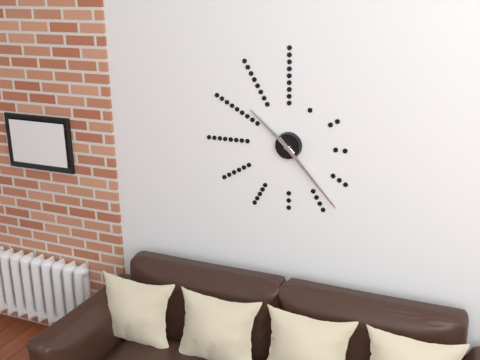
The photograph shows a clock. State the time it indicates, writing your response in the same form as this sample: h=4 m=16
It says h=10 m=23
